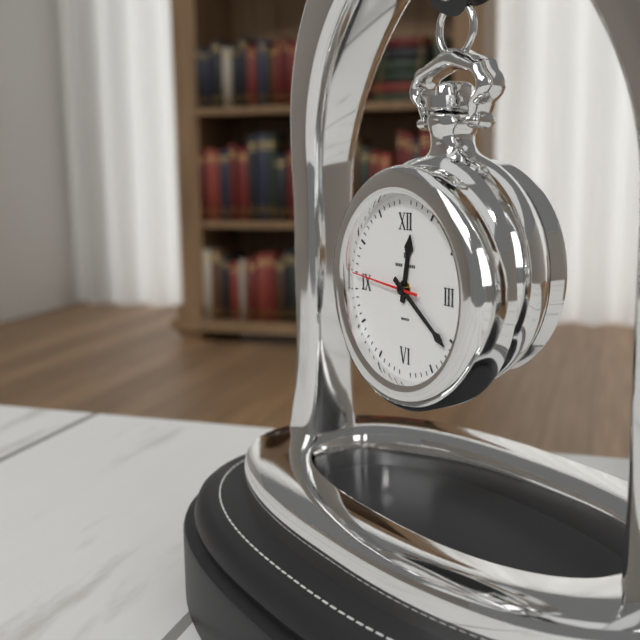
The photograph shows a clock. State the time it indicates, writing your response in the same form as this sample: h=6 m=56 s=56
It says h=12 m=21 s=46
